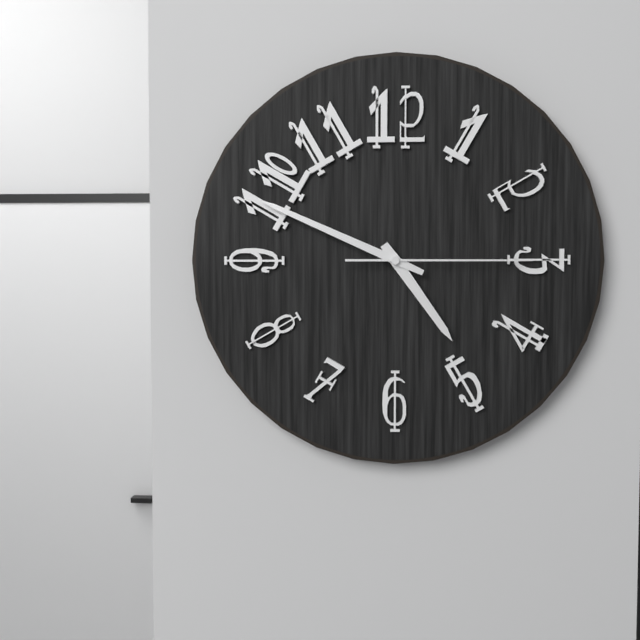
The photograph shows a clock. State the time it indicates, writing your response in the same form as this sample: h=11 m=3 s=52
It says h=4 m=49 s=15
